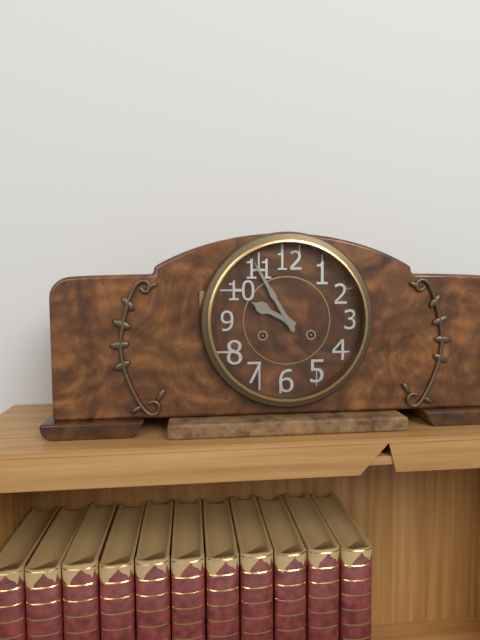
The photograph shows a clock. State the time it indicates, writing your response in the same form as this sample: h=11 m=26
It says h=9 m=55
